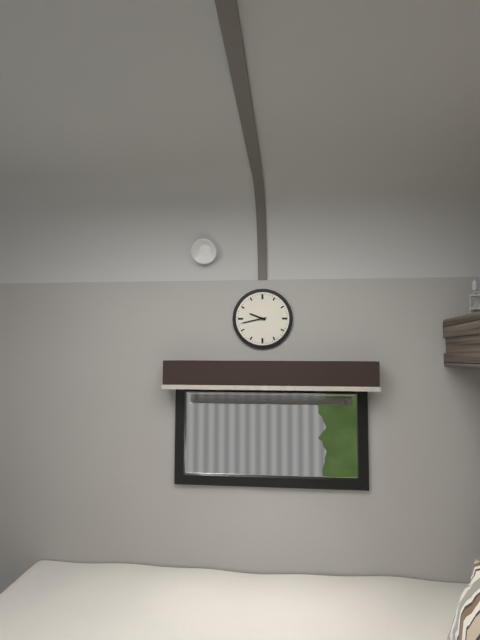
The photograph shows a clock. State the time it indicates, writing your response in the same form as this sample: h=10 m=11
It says h=9 m=43
